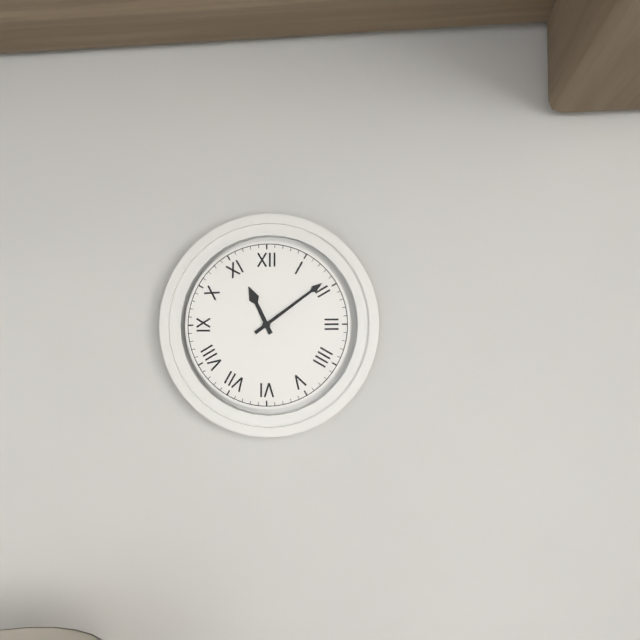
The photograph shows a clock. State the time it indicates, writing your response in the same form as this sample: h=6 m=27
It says h=11 m=9
